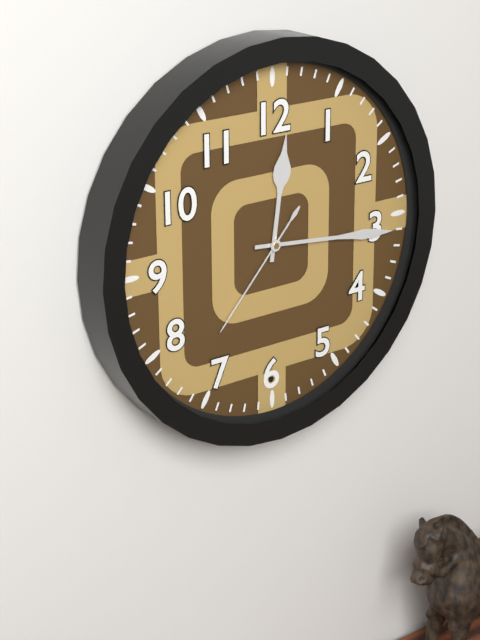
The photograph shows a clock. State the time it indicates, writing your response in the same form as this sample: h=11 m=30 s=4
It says h=12 m=16 s=37
